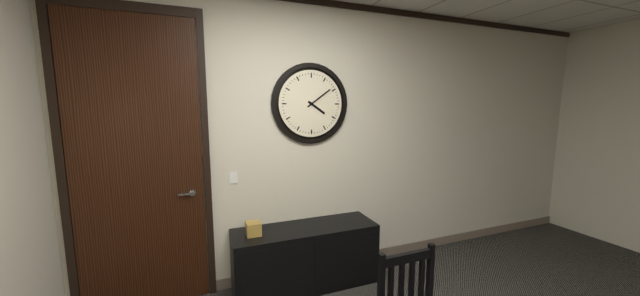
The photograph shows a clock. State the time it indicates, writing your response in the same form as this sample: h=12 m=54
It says h=4 m=9
